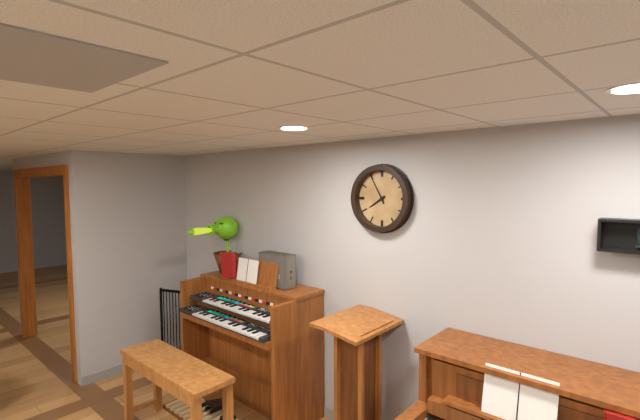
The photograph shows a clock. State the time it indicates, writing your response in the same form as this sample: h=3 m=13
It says h=7 m=55
